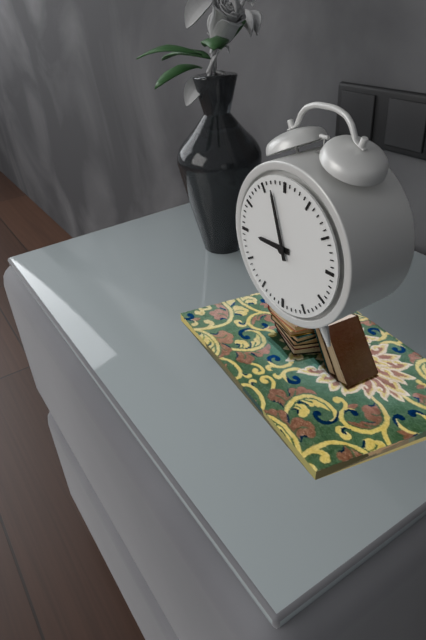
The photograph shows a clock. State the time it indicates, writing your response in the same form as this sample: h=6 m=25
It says h=8 m=57
